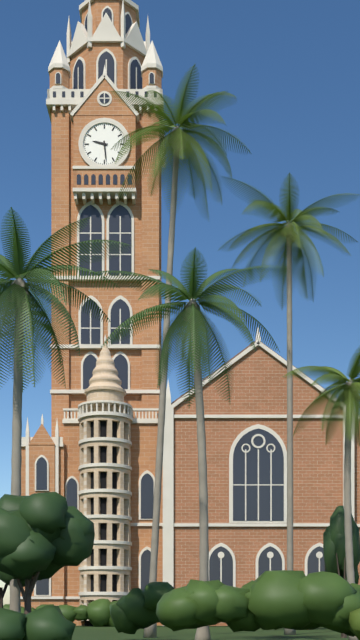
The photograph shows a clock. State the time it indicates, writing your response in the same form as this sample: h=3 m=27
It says h=9 m=29
